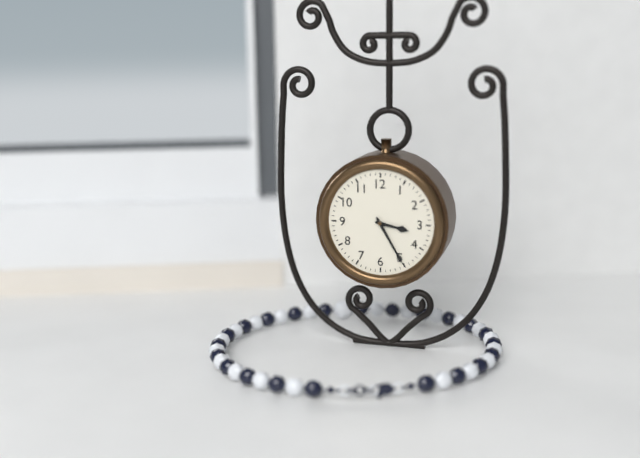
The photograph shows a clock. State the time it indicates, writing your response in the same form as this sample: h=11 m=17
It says h=3 m=25
